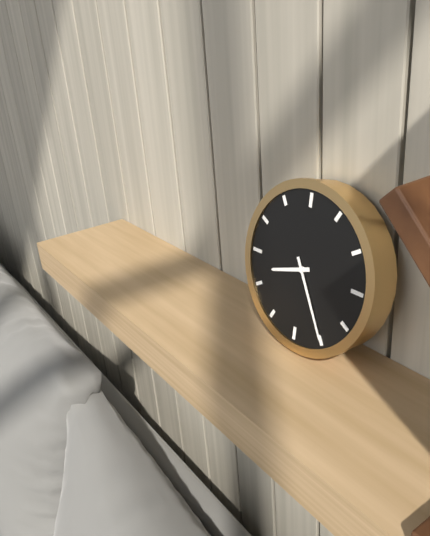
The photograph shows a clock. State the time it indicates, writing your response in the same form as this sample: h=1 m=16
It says h=8 m=25
